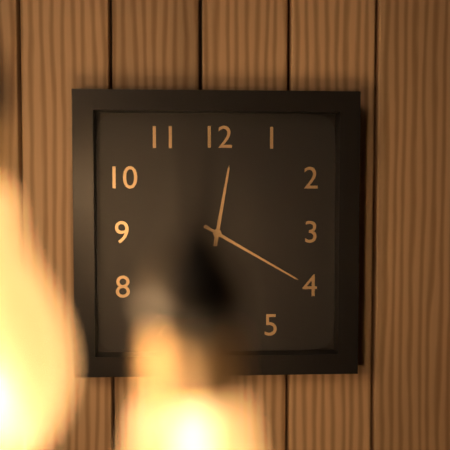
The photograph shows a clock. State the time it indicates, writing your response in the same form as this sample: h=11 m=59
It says h=12 m=20
